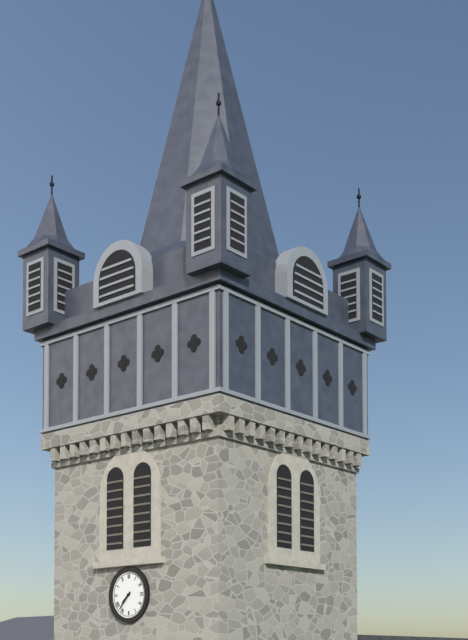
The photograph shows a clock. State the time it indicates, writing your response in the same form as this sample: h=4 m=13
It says h=7 m=37
